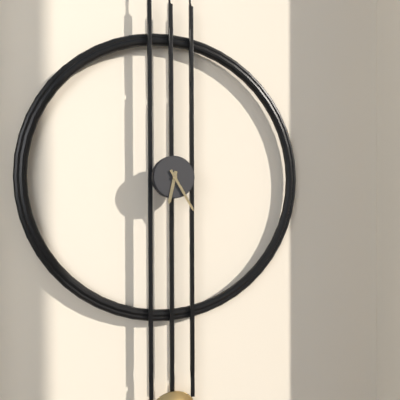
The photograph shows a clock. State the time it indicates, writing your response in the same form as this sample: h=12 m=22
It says h=6 m=25
